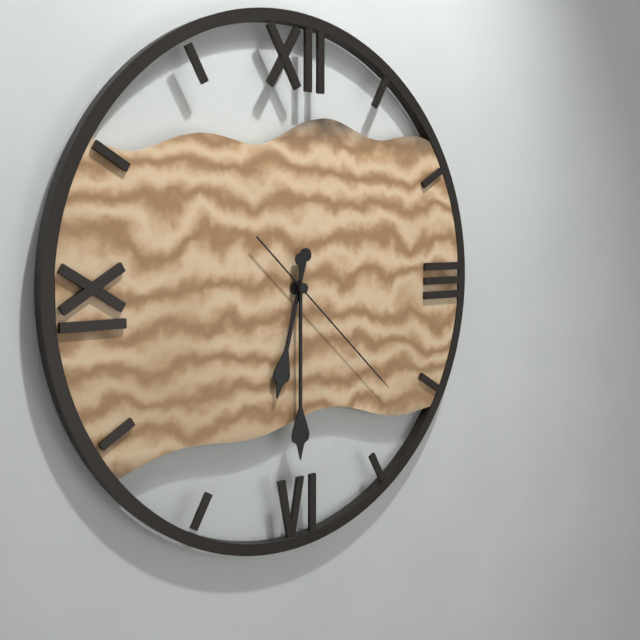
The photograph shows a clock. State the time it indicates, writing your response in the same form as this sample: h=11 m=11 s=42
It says h=6 m=30 s=22
